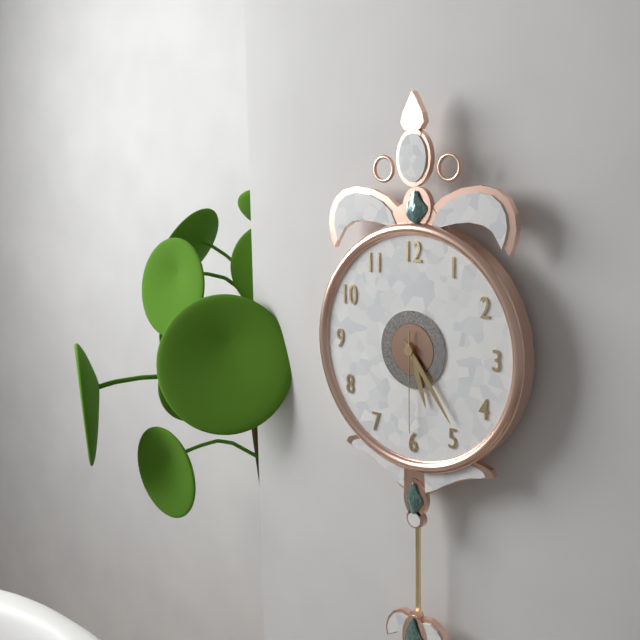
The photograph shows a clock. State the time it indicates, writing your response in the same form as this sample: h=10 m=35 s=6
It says h=5 m=24 s=30
